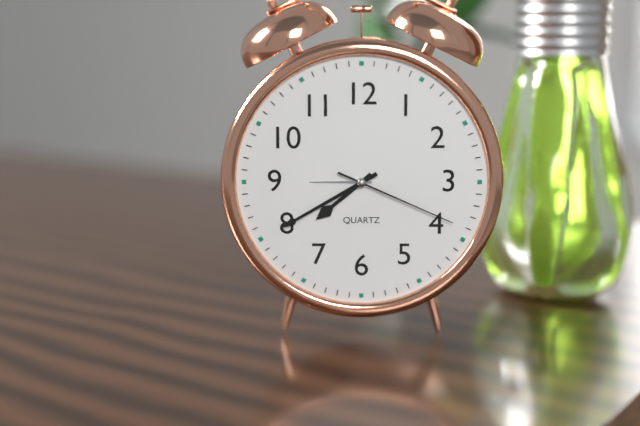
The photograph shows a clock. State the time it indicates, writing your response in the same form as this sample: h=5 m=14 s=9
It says h=7 m=40 s=19
